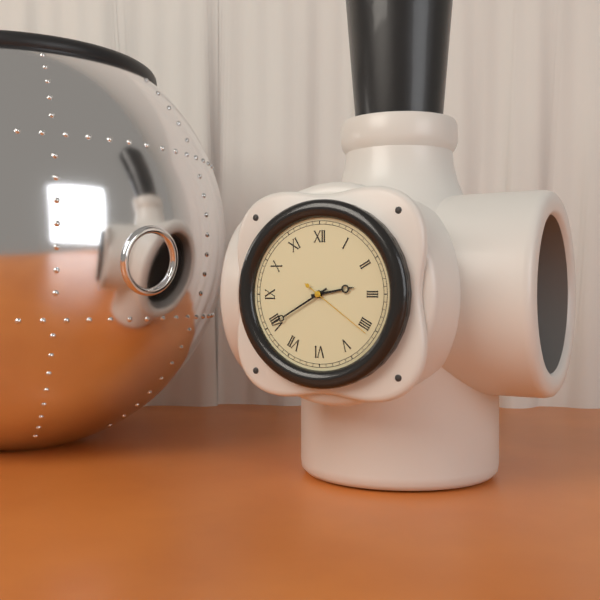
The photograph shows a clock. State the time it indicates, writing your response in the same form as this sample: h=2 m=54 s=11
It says h=2 m=40 s=21
